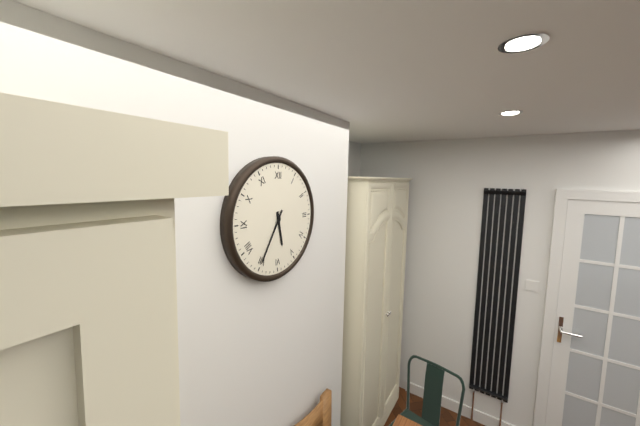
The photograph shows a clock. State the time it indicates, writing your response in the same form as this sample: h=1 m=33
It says h=5 m=35
